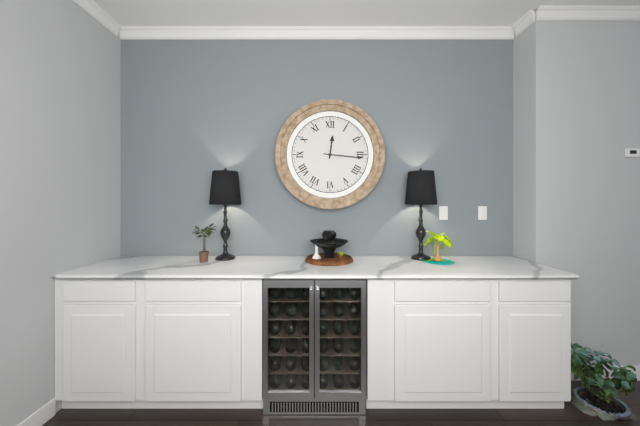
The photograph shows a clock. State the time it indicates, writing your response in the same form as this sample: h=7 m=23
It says h=12 m=16
